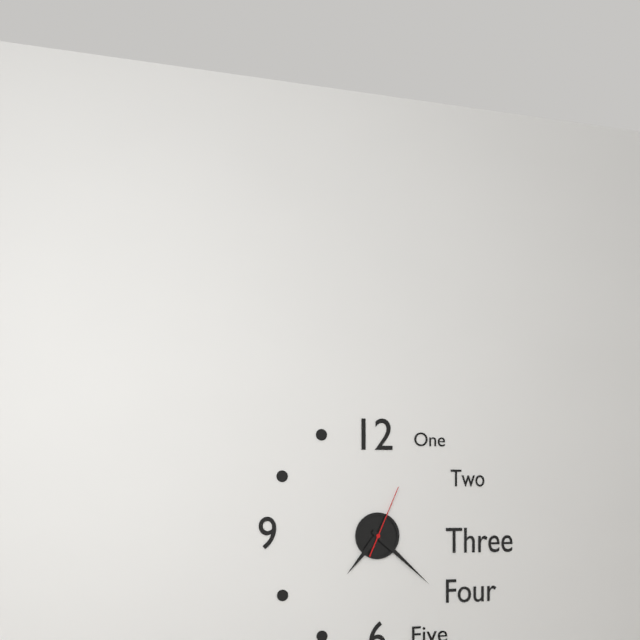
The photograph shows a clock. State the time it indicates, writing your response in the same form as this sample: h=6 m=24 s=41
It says h=7 m=22 s=4
